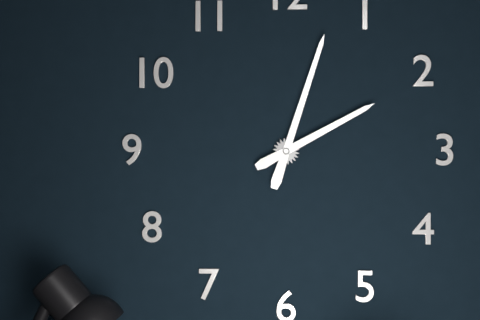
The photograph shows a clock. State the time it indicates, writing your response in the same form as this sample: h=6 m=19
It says h=2 m=3
